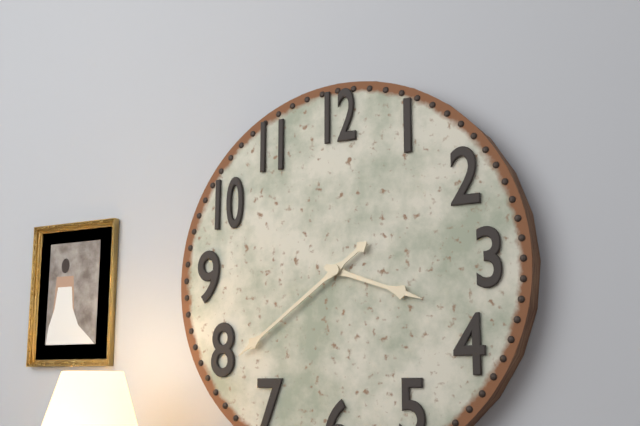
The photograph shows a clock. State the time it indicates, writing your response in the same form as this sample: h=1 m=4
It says h=3 m=39
